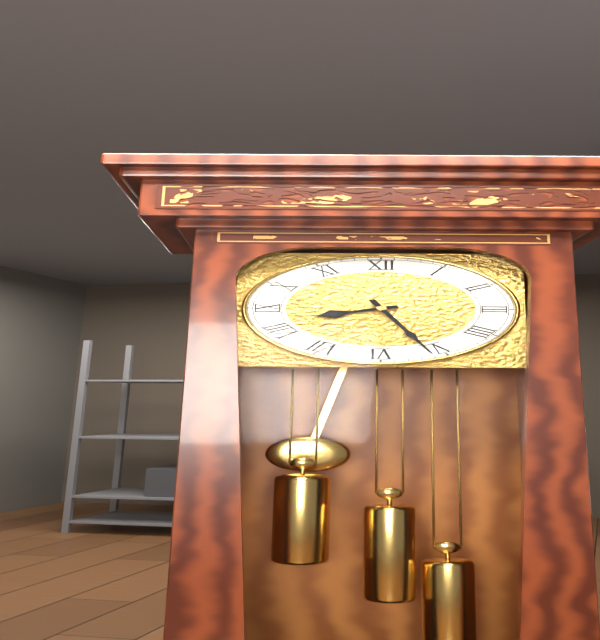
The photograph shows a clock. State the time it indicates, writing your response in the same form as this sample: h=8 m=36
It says h=8 m=26
